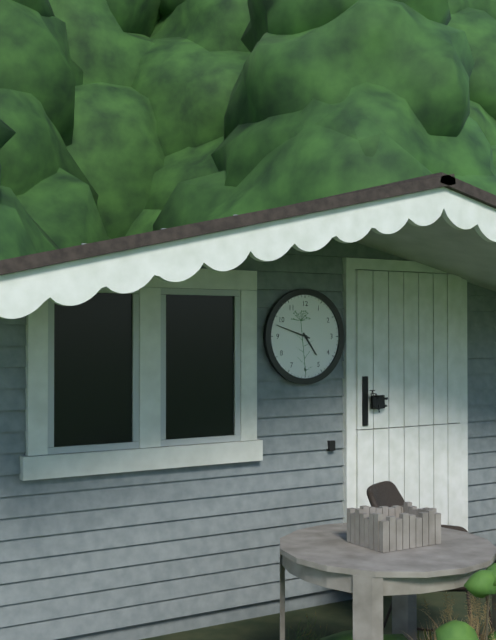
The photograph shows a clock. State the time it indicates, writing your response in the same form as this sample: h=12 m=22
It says h=4 m=48
